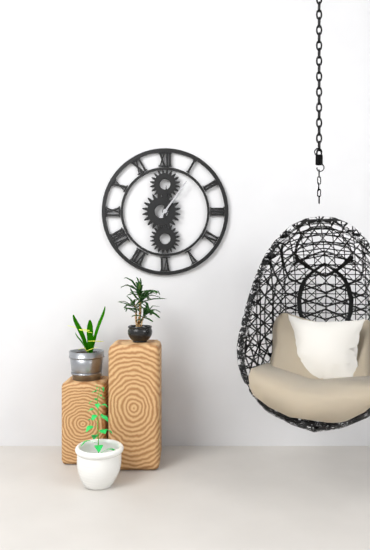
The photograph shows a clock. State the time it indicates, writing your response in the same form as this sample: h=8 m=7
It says h=12 m=6
